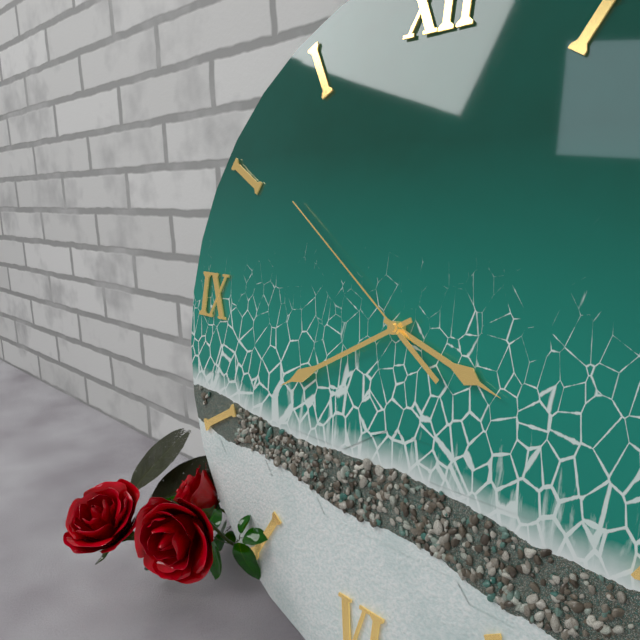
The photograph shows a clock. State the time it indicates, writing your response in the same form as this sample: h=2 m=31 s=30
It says h=3 m=40 s=51
